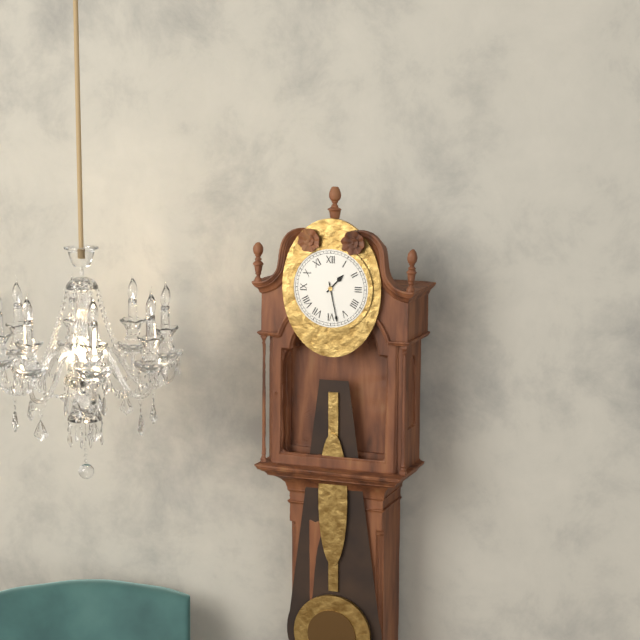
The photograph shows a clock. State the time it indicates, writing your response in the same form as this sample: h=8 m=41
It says h=1 m=28
